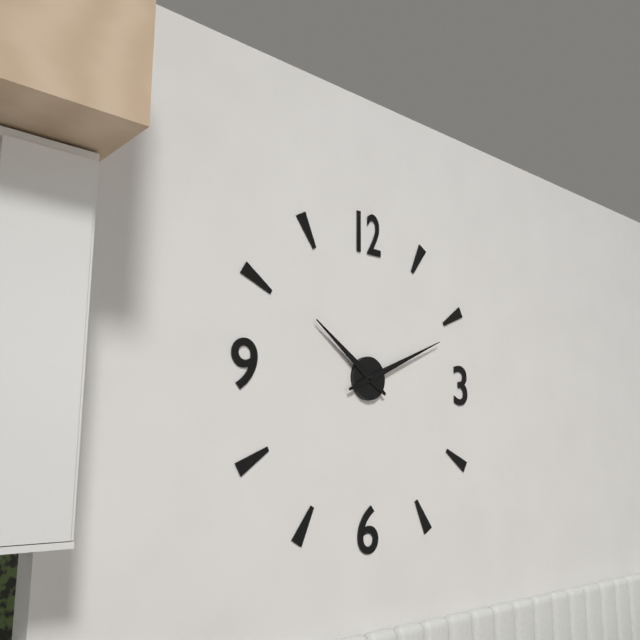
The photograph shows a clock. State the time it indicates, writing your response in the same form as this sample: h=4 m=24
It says h=10 m=11
